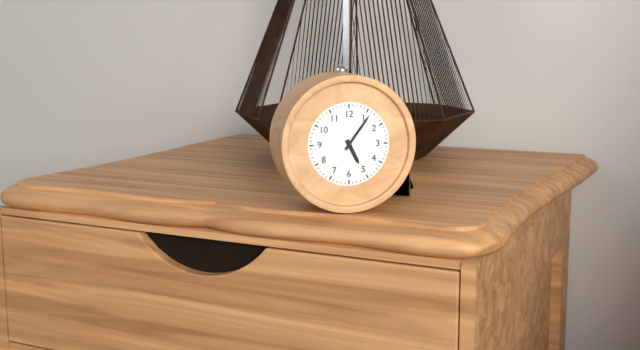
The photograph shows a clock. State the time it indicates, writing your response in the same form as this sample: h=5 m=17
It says h=5 m=6
